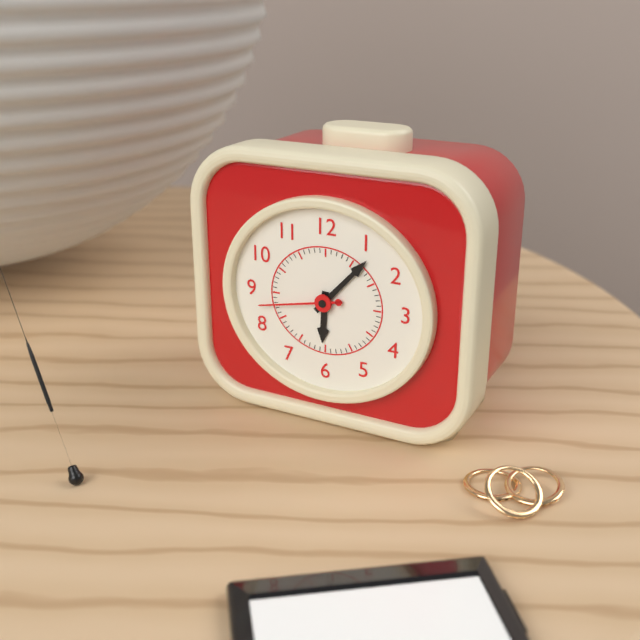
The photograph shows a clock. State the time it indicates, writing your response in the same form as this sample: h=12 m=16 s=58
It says h=6 m=7 s=43
